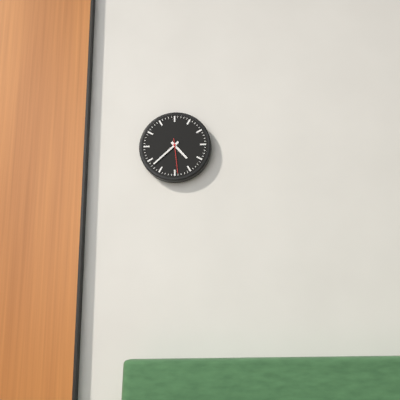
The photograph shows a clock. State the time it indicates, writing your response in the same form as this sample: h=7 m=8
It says h=4 m=38
